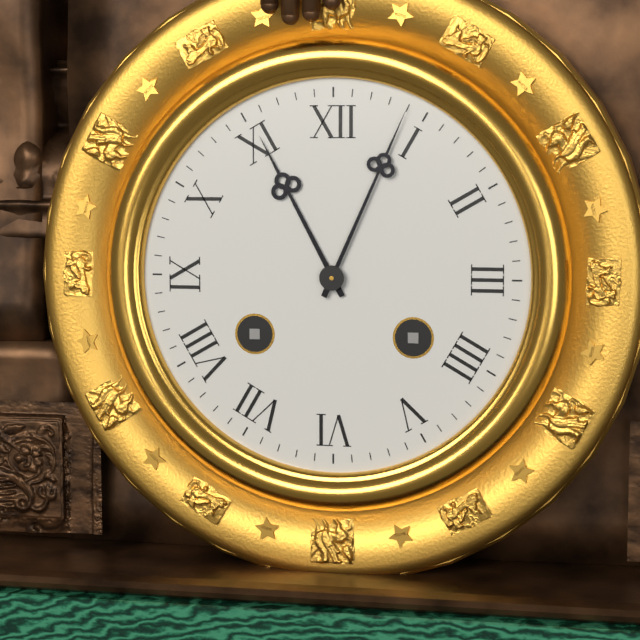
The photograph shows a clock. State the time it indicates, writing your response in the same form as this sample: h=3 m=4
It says h=11 m=4
